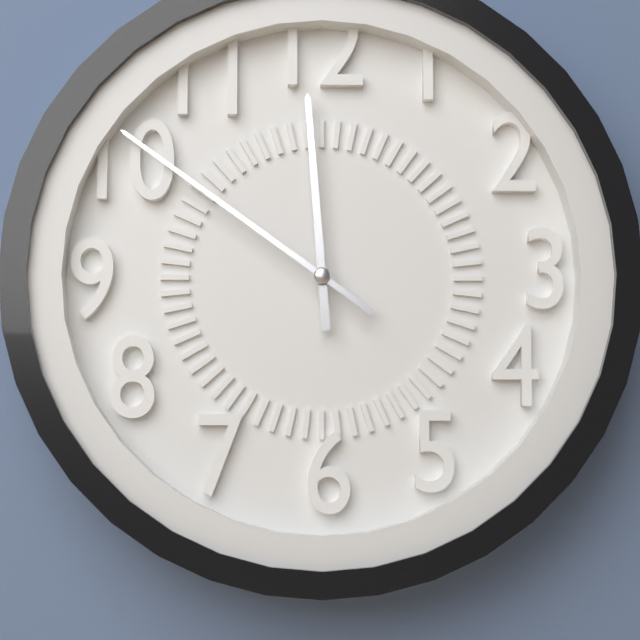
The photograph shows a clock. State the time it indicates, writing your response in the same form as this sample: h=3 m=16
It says h=11 m=51
